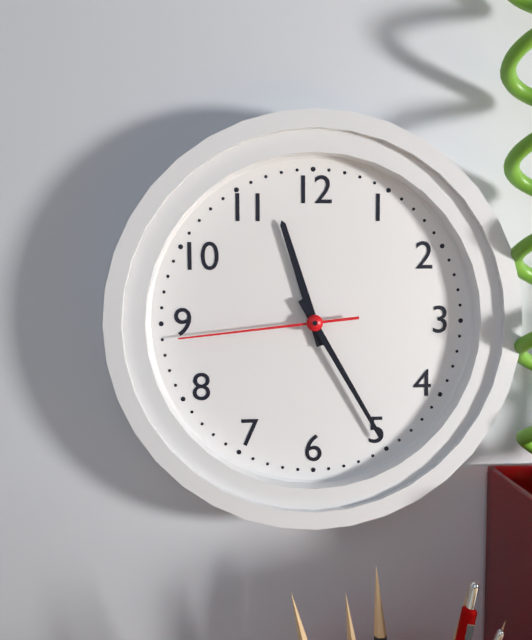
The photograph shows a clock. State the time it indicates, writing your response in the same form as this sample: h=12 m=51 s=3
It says h=11 m=25 s=44
